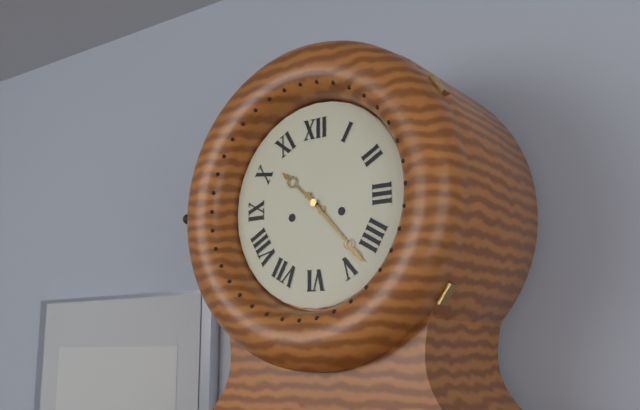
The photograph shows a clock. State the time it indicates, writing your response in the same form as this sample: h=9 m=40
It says h=10 m=23
